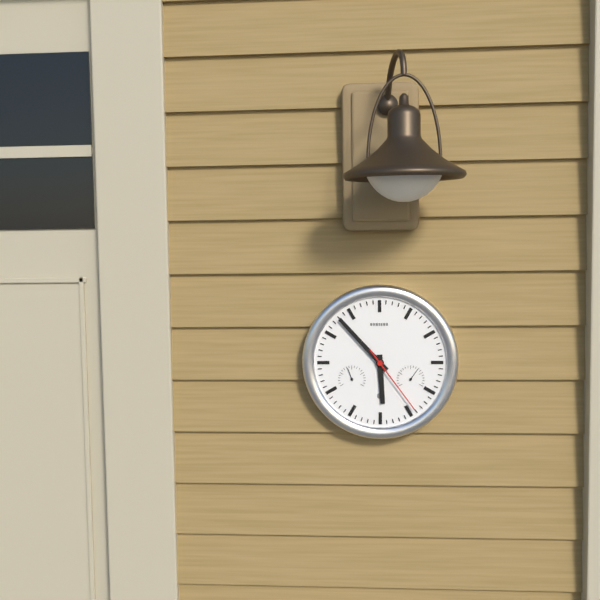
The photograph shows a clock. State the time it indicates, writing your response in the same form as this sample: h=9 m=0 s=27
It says h=5 m=53 s=24
